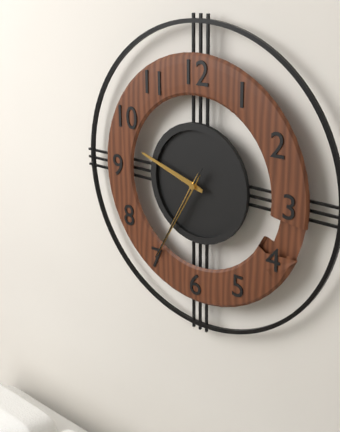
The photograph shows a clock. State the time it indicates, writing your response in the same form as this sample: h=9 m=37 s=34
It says h=9 m=35 s=35
